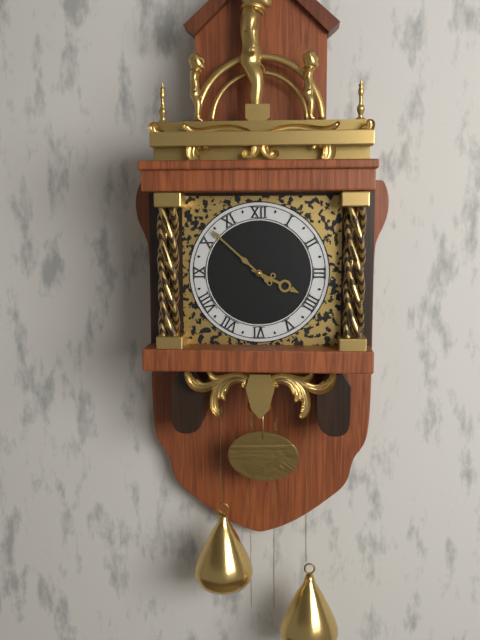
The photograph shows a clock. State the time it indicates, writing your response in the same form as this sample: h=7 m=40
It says h=3 m=52
